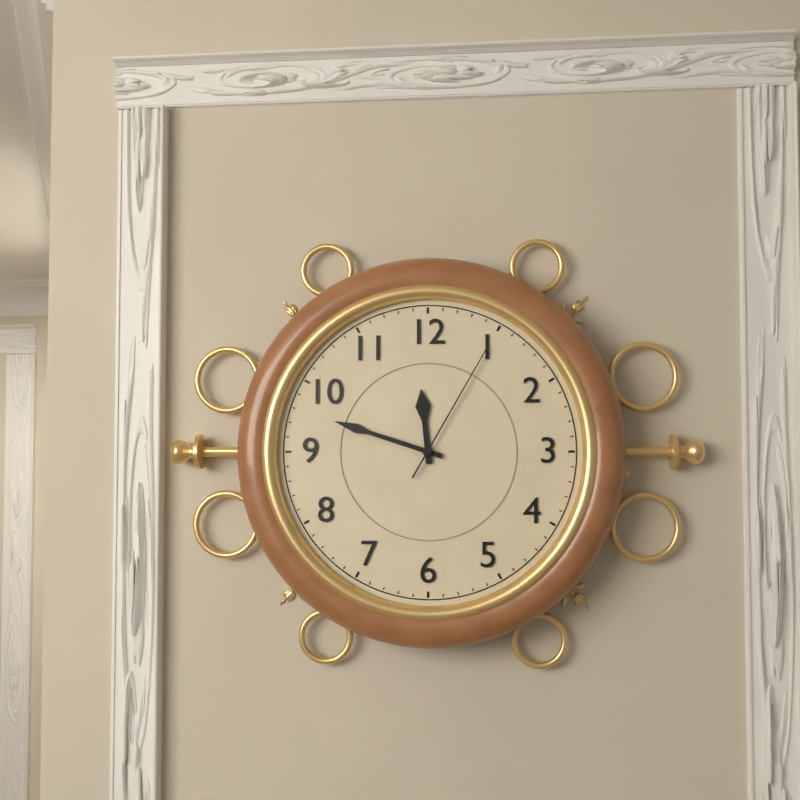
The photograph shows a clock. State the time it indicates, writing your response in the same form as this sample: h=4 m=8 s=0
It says h=11 m=48 s=5
